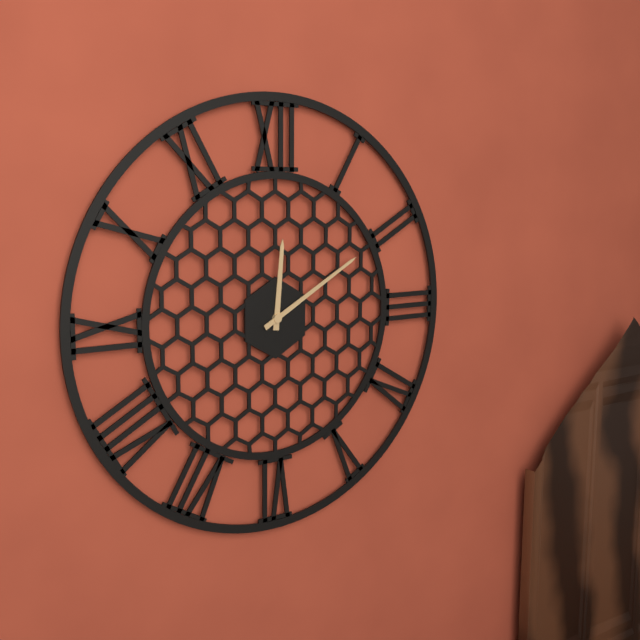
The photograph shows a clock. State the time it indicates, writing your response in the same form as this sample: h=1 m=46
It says h=12 m=10
